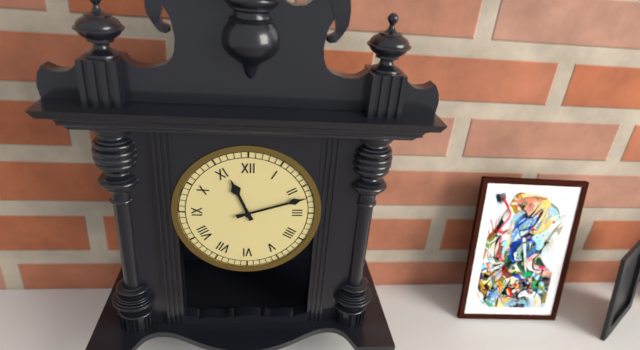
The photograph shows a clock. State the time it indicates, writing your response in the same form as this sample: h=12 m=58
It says h=11 m=12
